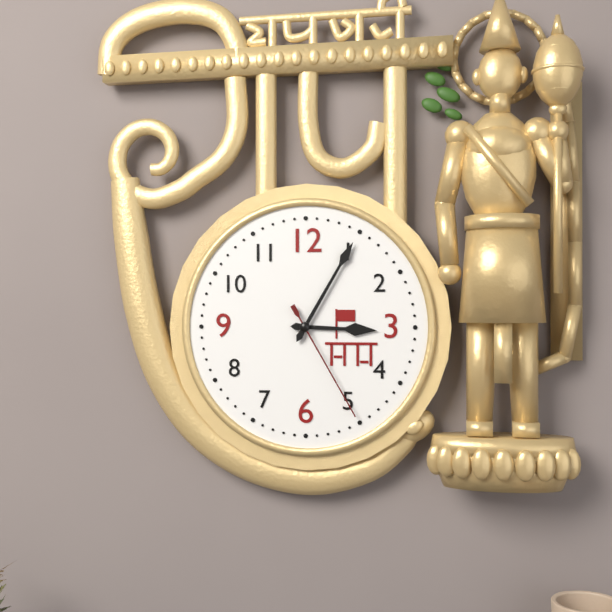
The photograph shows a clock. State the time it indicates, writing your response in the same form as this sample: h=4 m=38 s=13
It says h=3 m=5 s=25
